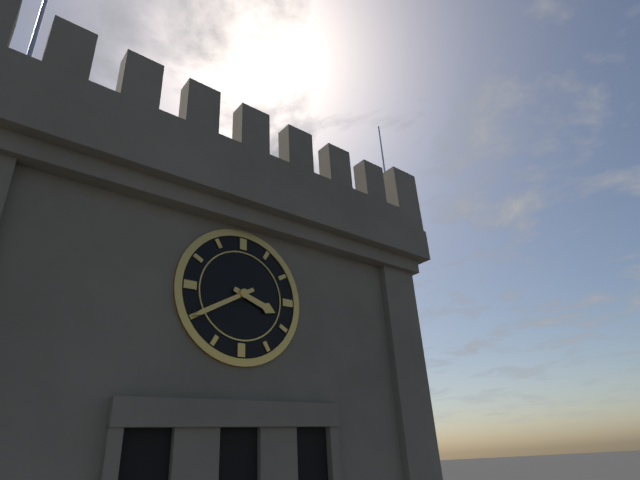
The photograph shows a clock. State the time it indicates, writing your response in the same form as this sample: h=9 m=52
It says h=3 m=40
